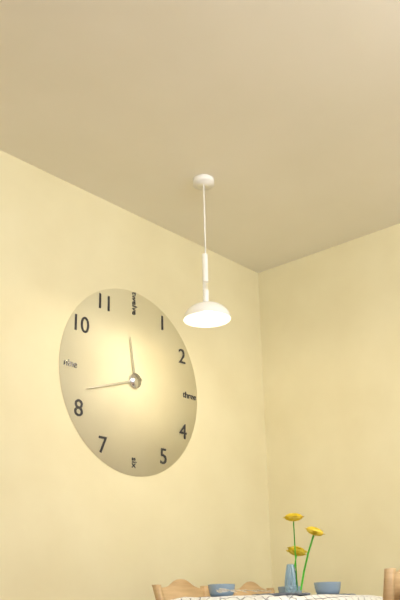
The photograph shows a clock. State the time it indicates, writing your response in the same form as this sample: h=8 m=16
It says h=11 m=42
